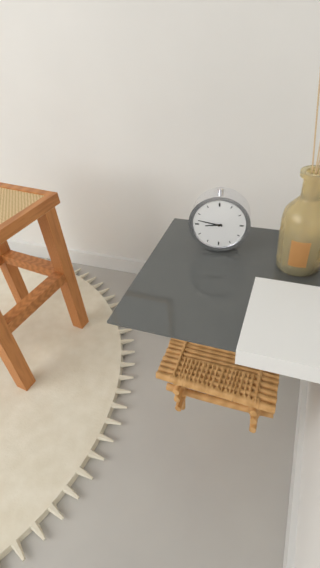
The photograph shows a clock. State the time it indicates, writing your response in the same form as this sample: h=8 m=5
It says h=8 m=47
